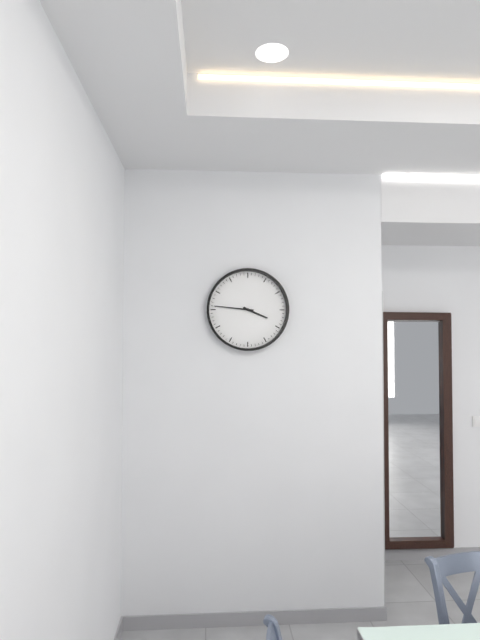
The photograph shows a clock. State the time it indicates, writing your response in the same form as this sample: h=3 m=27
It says h=3 m=46
